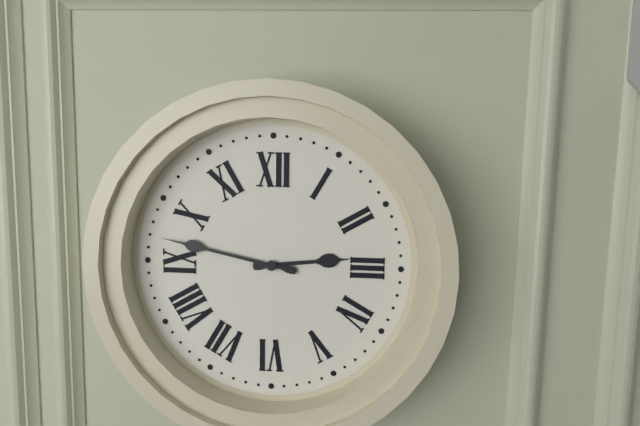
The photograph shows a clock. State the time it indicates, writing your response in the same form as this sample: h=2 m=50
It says h=2 m=47
